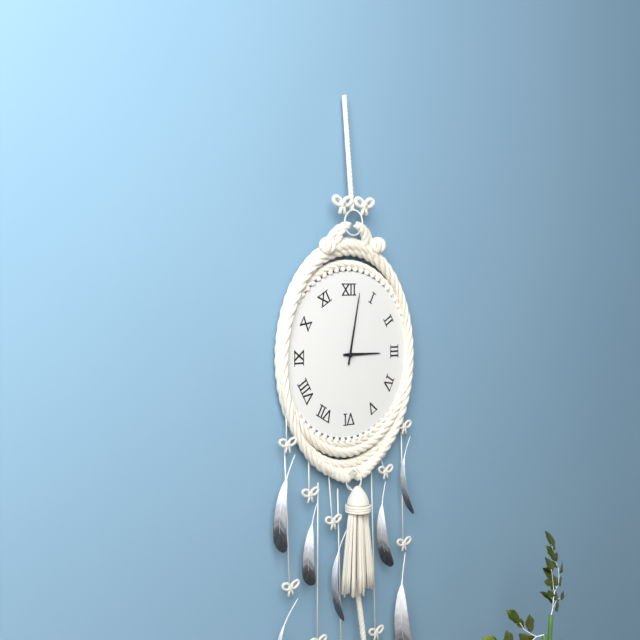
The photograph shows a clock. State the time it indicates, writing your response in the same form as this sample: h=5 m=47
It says h=3 m=2
